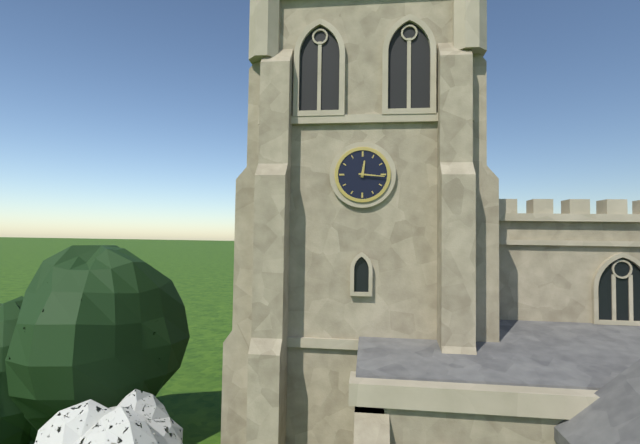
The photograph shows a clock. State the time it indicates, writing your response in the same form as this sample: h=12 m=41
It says h=12 m=16
